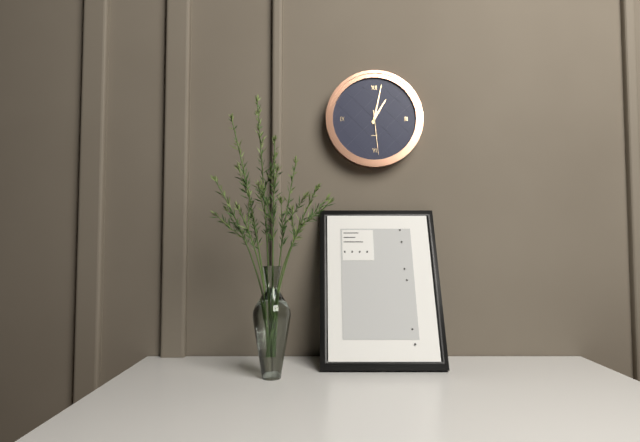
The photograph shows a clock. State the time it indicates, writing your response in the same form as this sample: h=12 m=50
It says h=1 m=2
